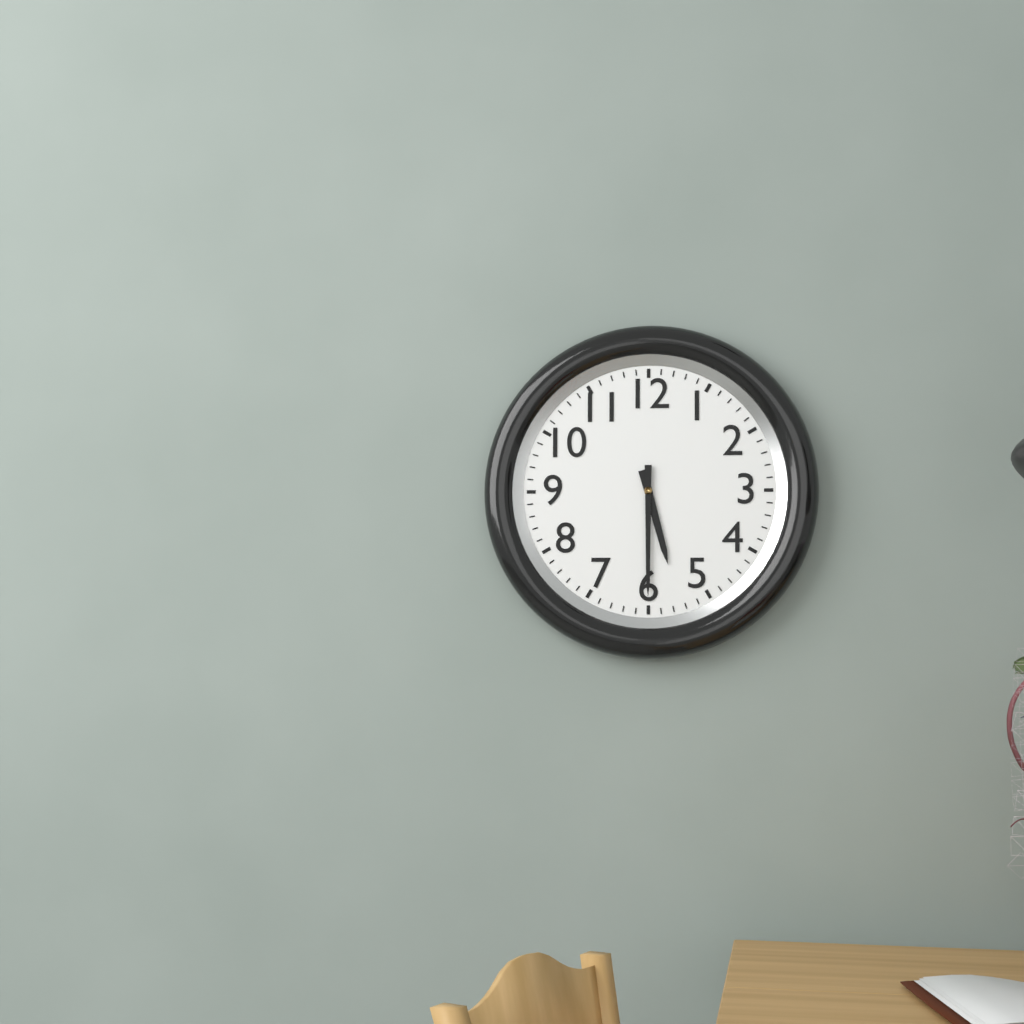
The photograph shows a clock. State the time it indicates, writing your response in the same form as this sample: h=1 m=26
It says h=5 m=30
